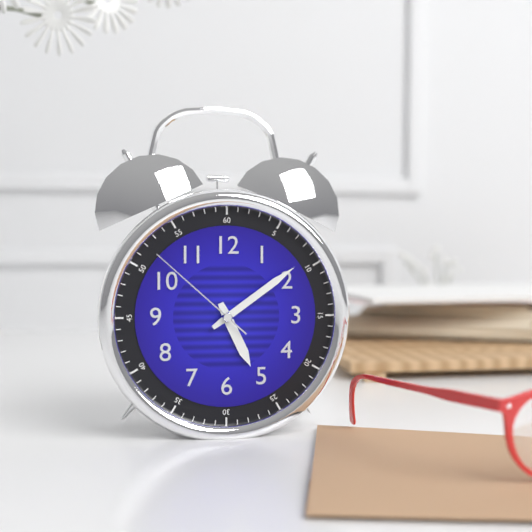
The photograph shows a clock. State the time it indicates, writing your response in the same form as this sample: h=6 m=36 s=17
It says h=5 m=9 s=52
